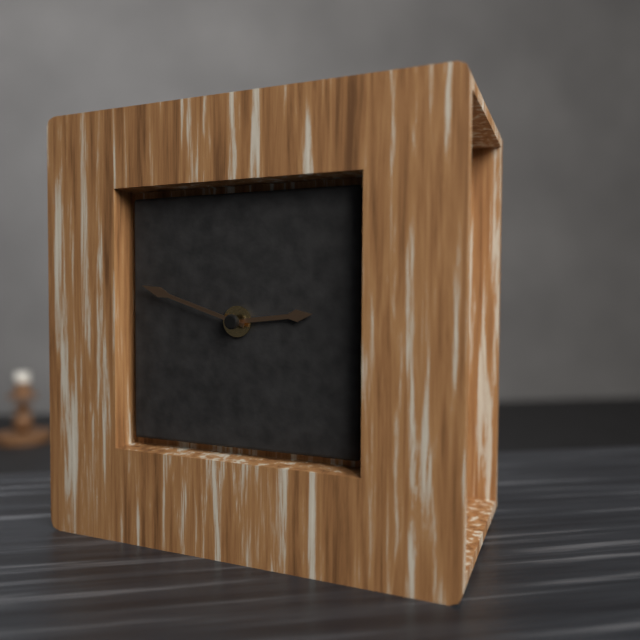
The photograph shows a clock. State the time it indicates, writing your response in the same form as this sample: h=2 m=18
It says h=2 m=48
